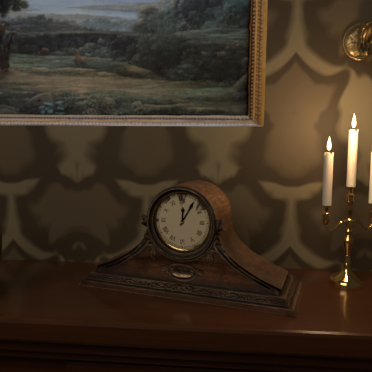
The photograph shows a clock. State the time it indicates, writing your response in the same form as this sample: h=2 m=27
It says h=12 m=5
